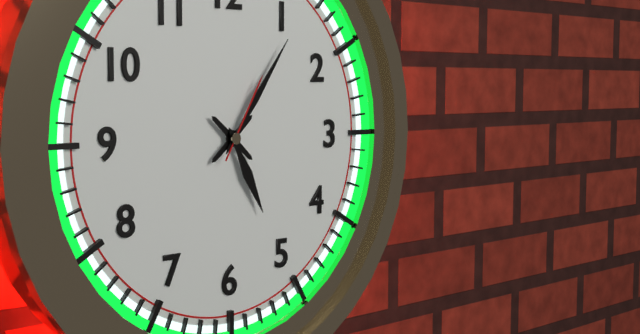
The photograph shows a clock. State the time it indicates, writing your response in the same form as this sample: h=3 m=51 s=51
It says h=5 m=6 s=5
